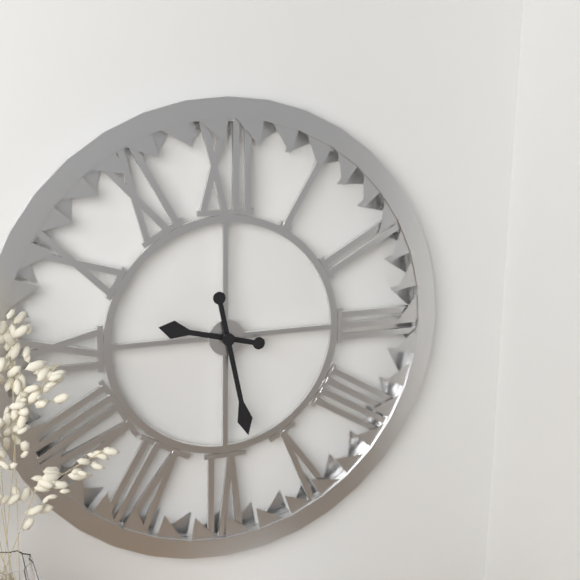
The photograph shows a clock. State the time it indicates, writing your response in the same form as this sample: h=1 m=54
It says h=9 m=28
